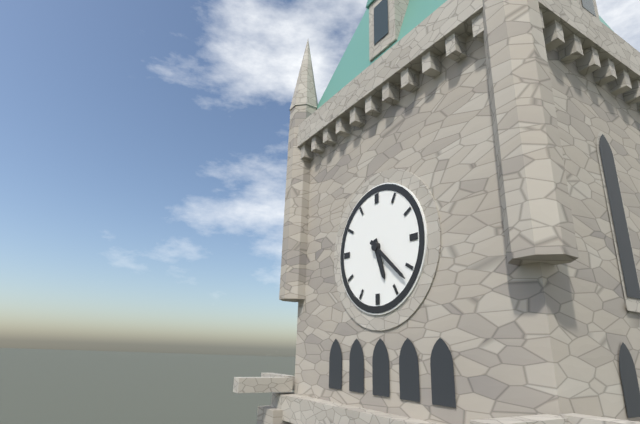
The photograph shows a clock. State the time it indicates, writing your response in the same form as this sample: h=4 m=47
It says h=5 m=22
